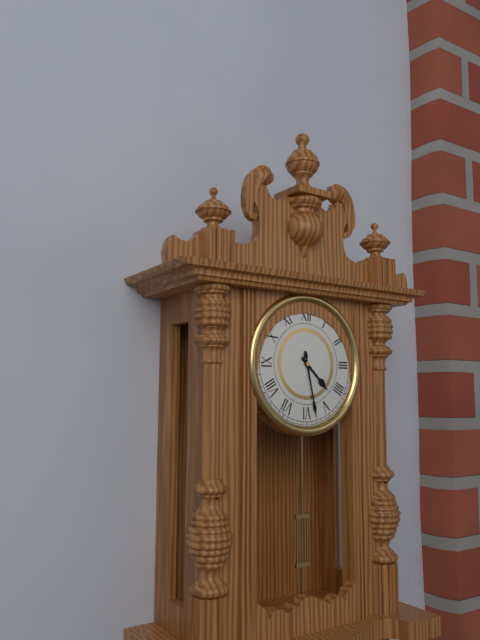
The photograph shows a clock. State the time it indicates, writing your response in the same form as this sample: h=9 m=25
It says h=4 m=28
